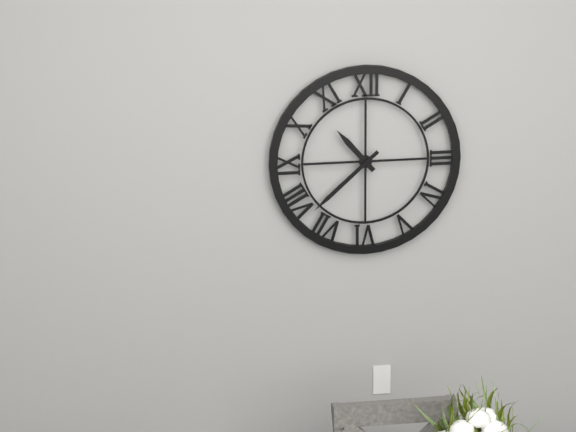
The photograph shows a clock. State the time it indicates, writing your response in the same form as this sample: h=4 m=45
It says h=10 m=38
